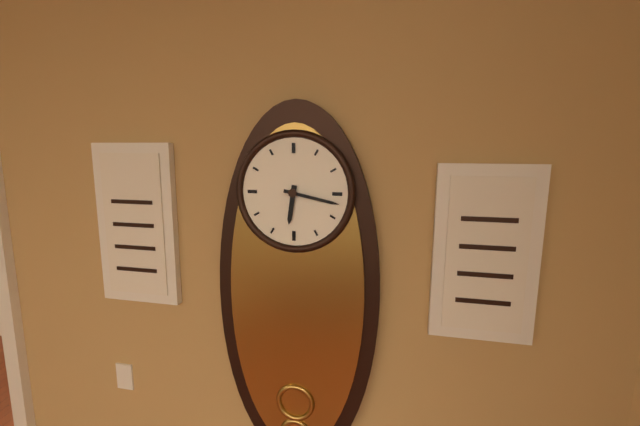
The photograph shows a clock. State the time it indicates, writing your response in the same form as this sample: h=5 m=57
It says h=6 m=17
